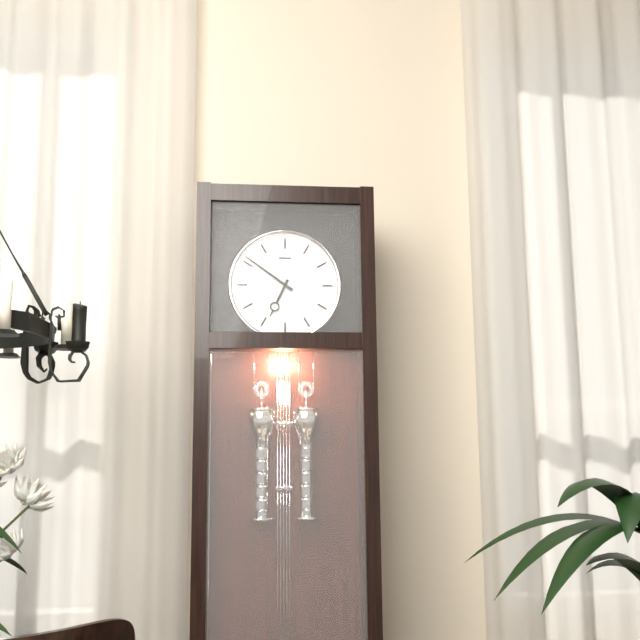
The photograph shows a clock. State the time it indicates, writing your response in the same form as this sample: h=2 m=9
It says h=6 m=51
